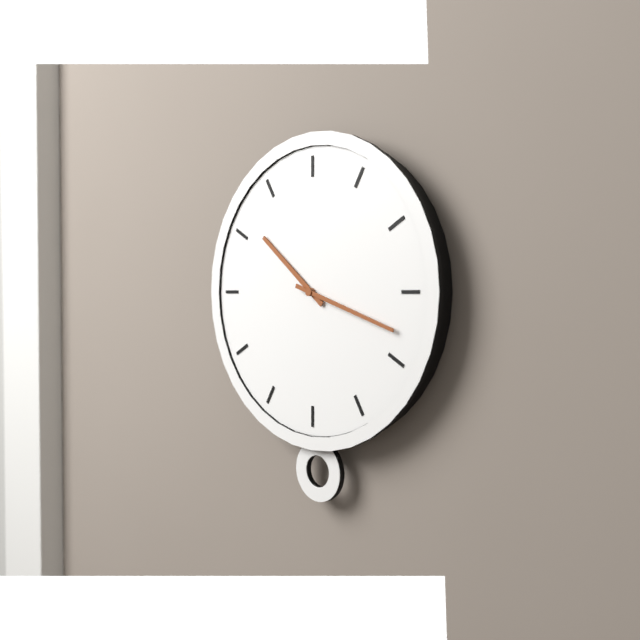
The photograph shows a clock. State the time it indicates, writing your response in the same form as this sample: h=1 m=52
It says h=10 m=18
